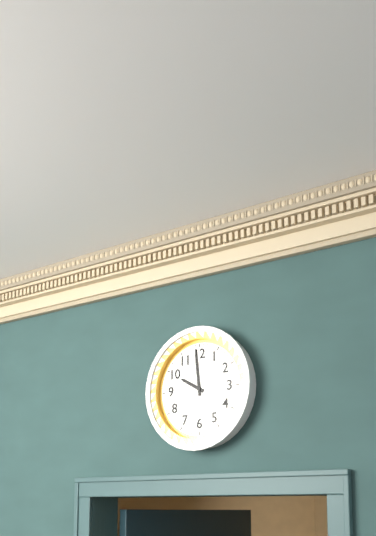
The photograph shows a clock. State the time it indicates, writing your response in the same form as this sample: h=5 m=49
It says h=9 m=59
